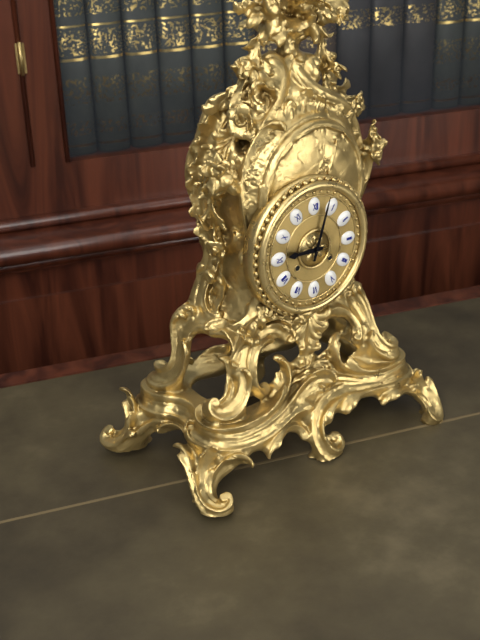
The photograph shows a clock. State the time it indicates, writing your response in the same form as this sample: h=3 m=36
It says h=9 m=3
